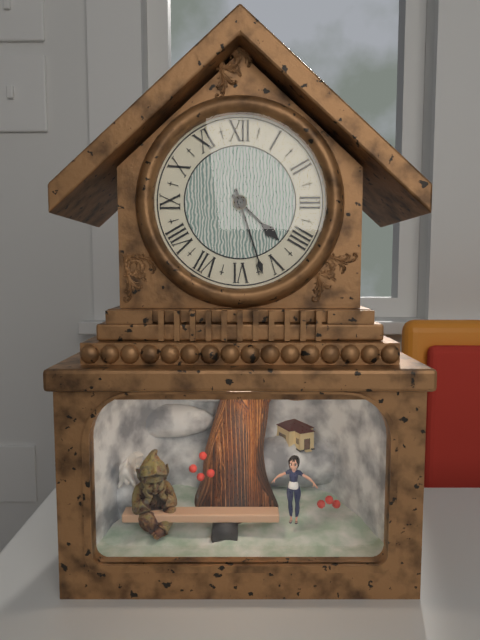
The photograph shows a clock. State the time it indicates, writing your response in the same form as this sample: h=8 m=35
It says h=4 m=27
